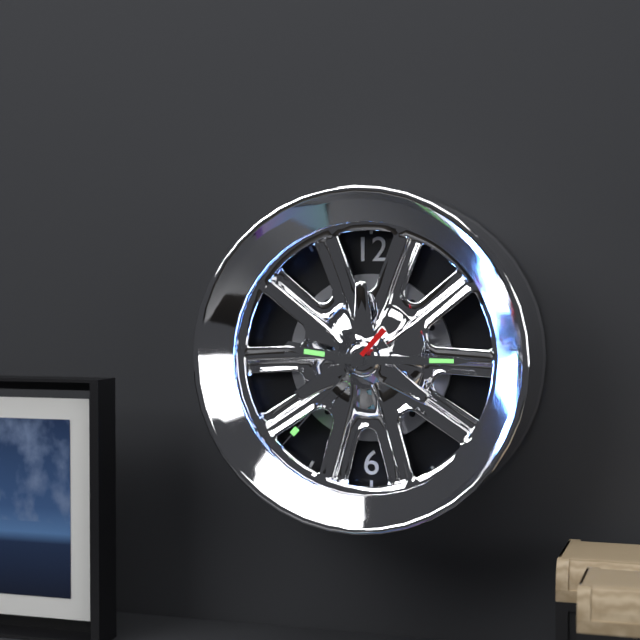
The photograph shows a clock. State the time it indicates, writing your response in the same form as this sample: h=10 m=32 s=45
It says h=9 m=15 s=37
